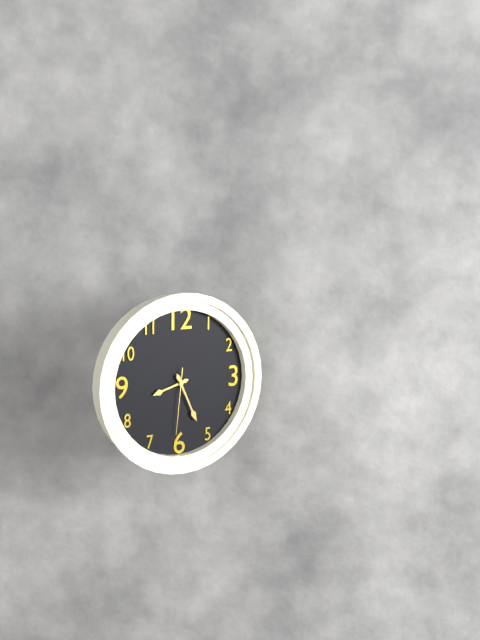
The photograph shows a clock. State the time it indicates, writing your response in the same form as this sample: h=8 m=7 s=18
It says h=8 m=26 s=31
